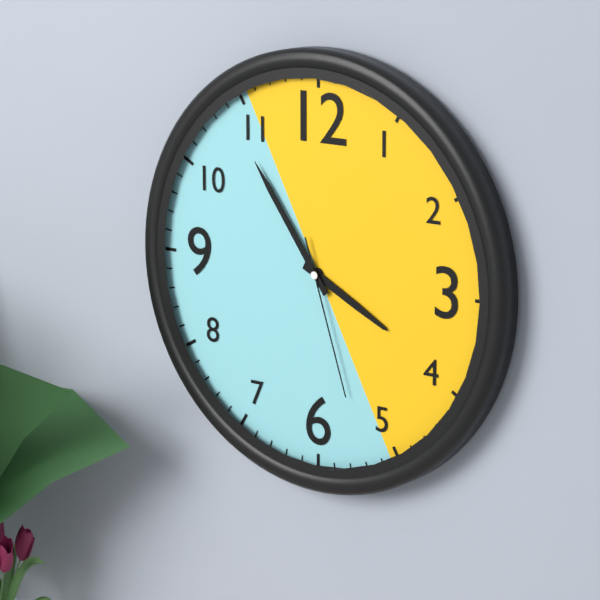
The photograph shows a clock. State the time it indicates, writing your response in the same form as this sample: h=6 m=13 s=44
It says h=3 m=54 s=27
